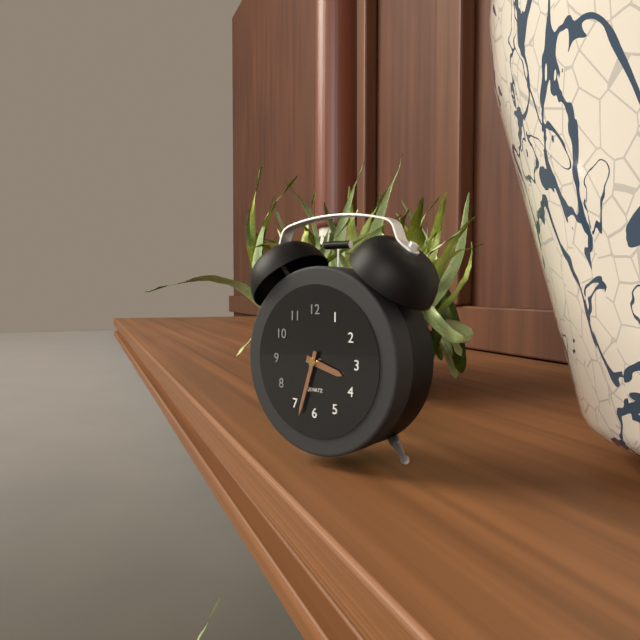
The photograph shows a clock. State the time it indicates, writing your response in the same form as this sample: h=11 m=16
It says h=3 m=33
